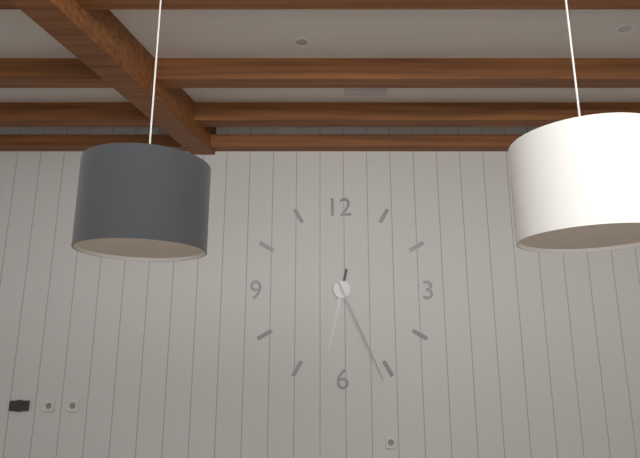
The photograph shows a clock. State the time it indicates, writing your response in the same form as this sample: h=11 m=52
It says h=6 m=26
